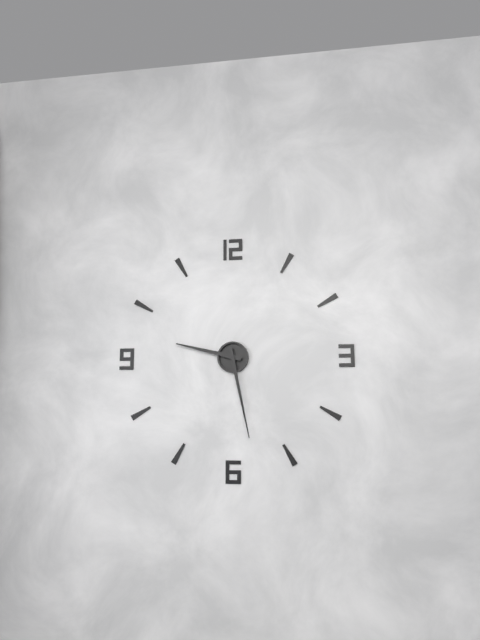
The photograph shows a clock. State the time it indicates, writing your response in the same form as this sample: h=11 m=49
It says h=9 m=28
